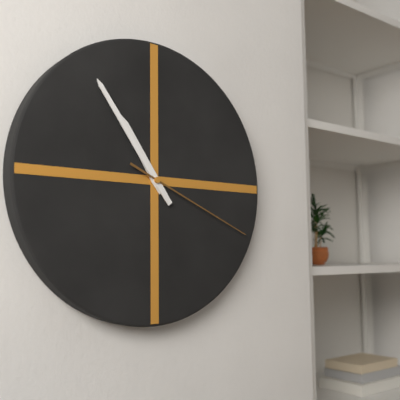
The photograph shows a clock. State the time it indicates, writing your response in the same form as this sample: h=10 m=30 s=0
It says h=10 m=54 s=19
